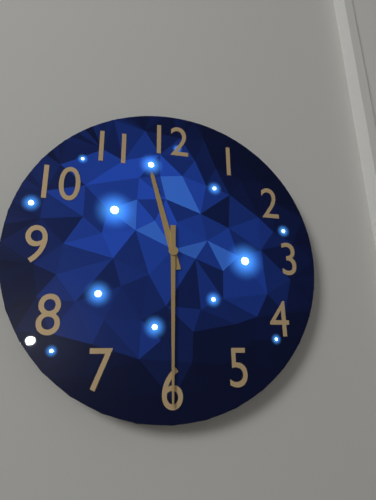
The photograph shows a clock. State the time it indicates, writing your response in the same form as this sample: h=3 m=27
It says h=11 m=30
